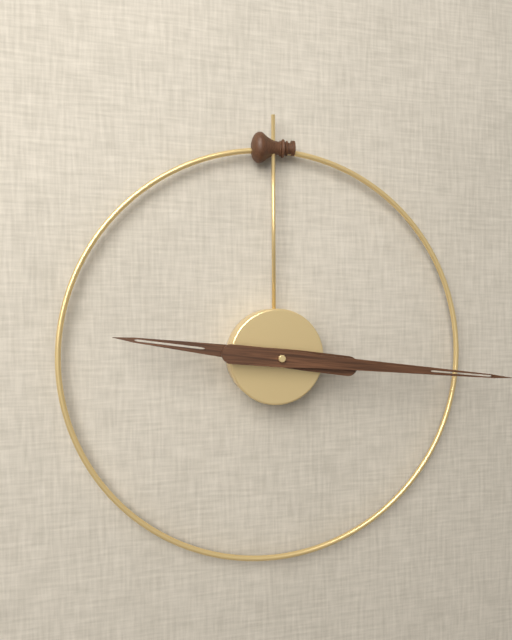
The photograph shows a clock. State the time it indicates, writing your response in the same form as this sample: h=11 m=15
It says h=9 m=16
